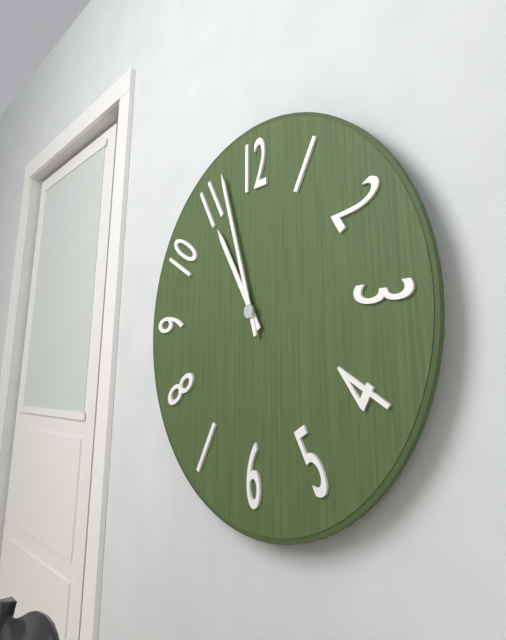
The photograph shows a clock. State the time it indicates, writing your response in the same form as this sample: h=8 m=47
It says h=10 m=57
